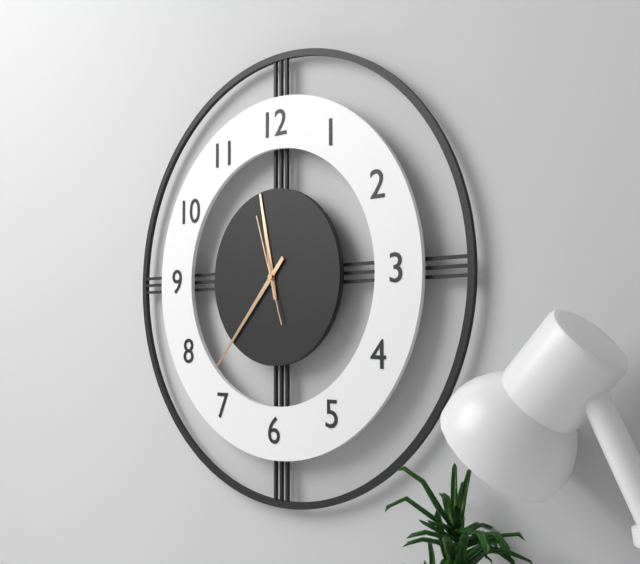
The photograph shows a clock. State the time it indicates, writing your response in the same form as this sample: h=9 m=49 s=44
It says h=11 m=37 s=57
